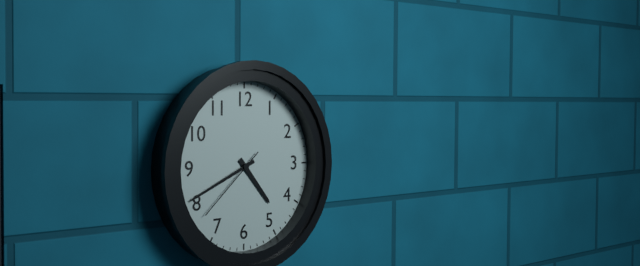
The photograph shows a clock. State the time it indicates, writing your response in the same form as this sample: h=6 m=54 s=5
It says h=4 m=41 s=38
